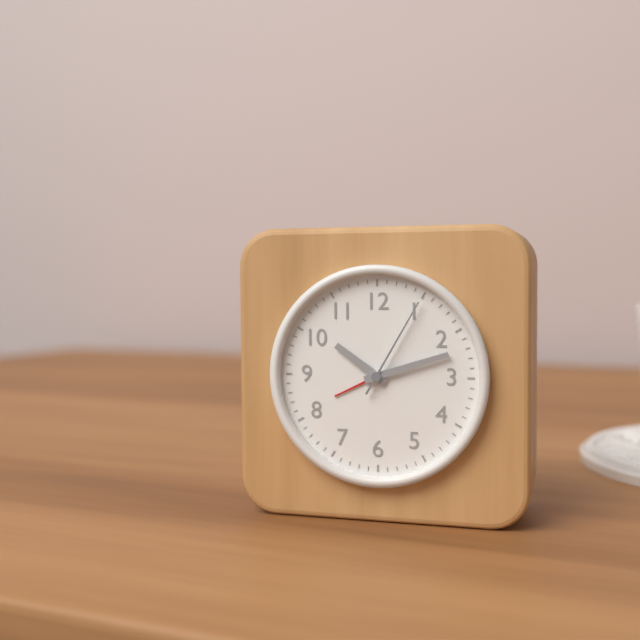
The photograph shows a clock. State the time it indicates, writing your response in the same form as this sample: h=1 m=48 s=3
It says h=10 m=12 s=5
